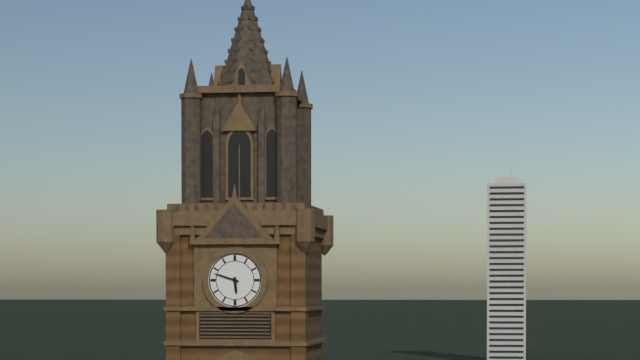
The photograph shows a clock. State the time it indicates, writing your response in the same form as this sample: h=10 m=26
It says h=5 m=48
